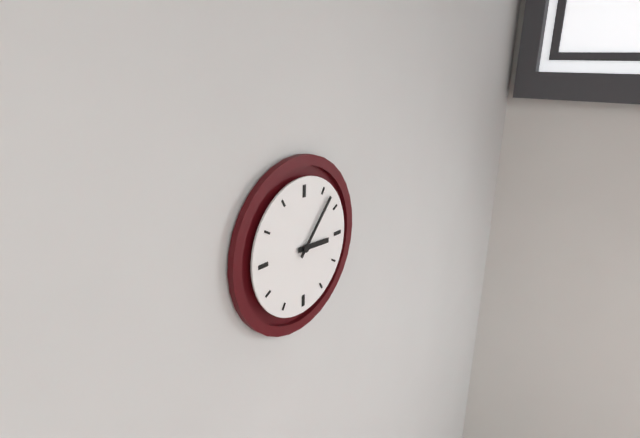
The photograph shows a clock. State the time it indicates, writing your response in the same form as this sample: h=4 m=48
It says h=3 m=7
